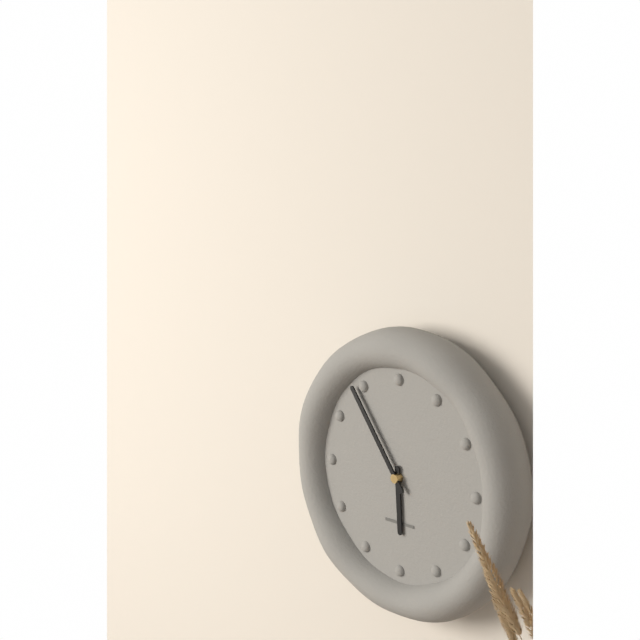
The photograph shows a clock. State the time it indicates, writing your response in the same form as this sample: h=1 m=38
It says h=5 m=54
